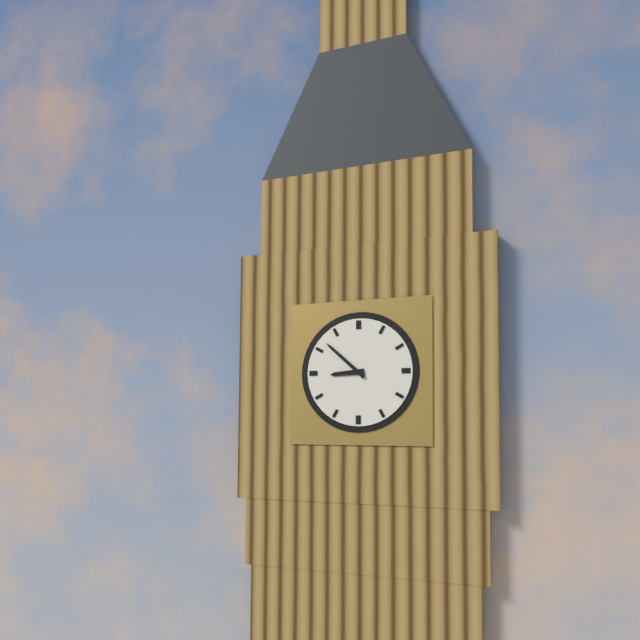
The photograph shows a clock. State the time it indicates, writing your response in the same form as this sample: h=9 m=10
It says h=8 m=52
